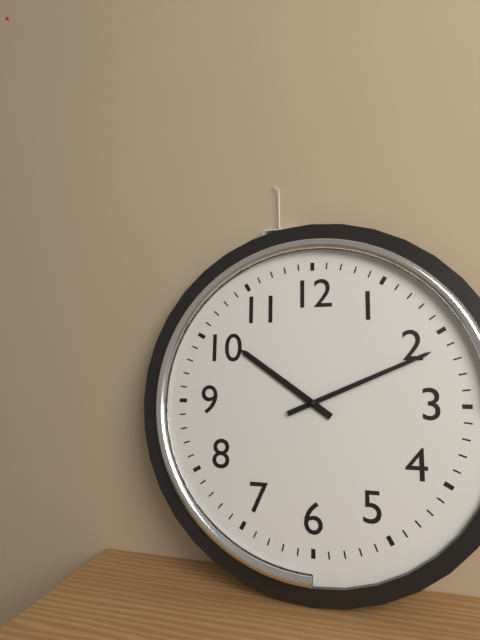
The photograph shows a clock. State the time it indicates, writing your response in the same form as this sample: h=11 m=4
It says h=10 m=11
